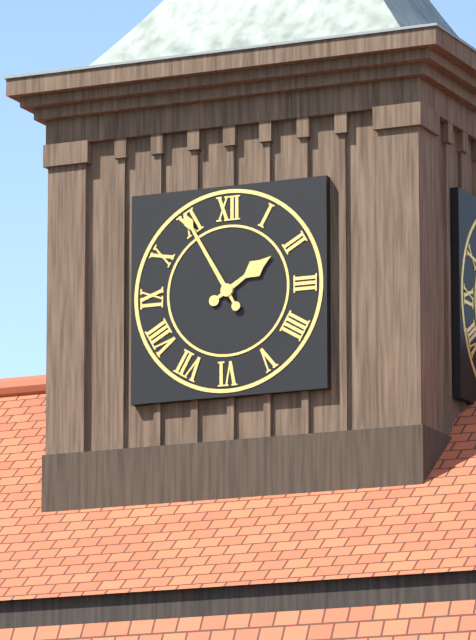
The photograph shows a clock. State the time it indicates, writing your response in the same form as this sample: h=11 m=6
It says h=1 m=55
